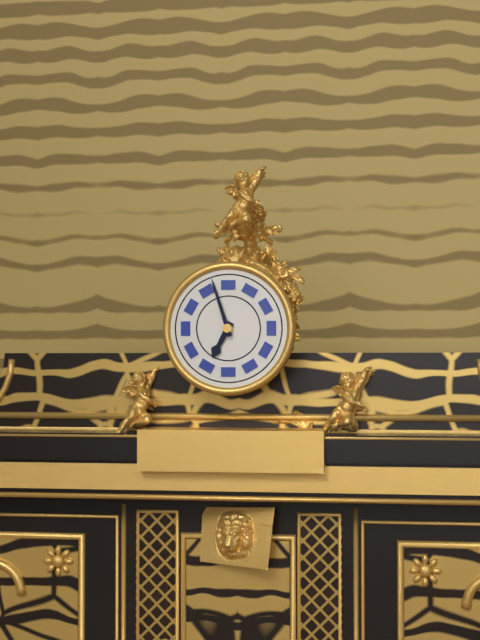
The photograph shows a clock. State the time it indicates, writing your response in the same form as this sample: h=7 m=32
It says h=6 m=57
